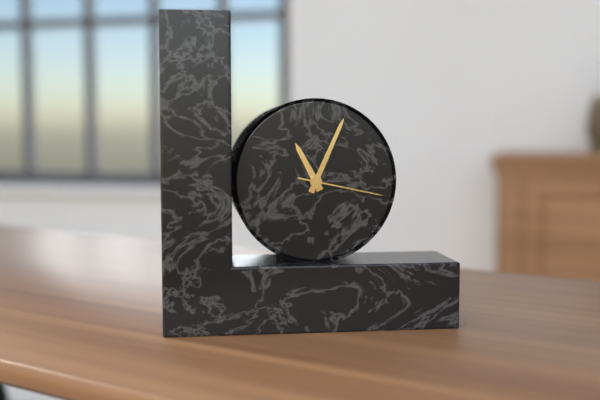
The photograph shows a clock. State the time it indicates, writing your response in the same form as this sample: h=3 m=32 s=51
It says h=11 m=4 s=17
